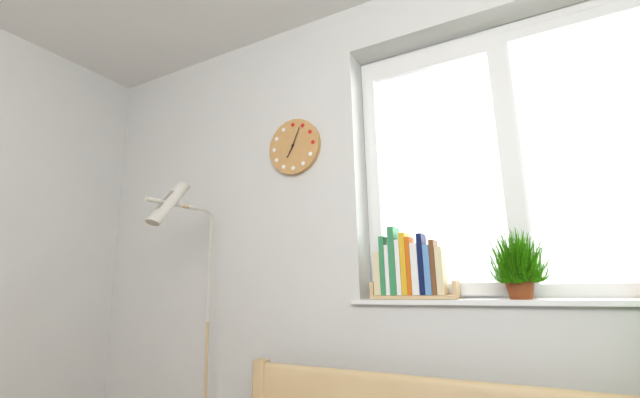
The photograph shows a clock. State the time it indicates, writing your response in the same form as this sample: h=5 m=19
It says h=7 m=4
